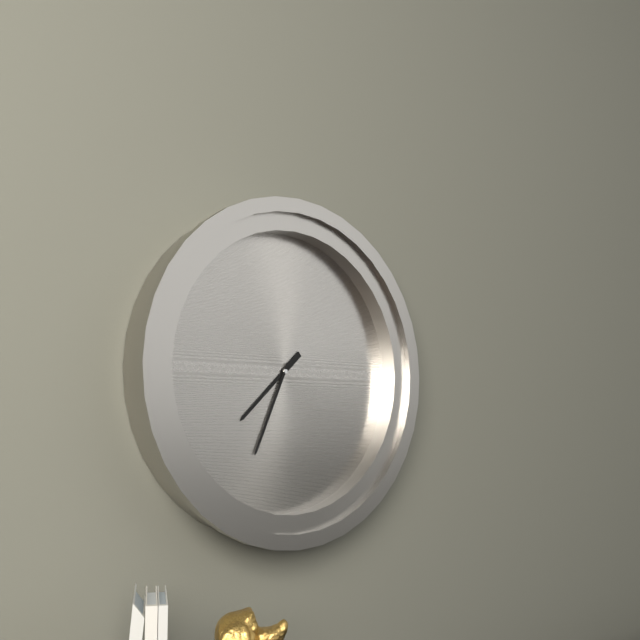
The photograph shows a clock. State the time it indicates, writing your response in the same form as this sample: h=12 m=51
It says h=7 m=34
